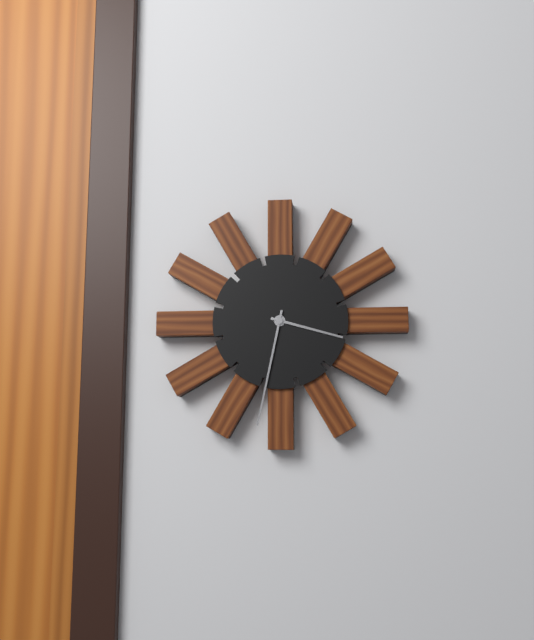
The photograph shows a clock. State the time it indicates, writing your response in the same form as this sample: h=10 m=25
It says h=3 m=32
